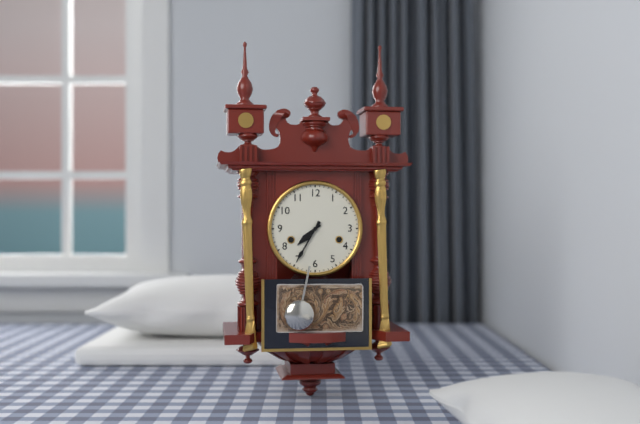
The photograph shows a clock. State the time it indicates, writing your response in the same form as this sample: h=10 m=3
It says h=7 m=35
